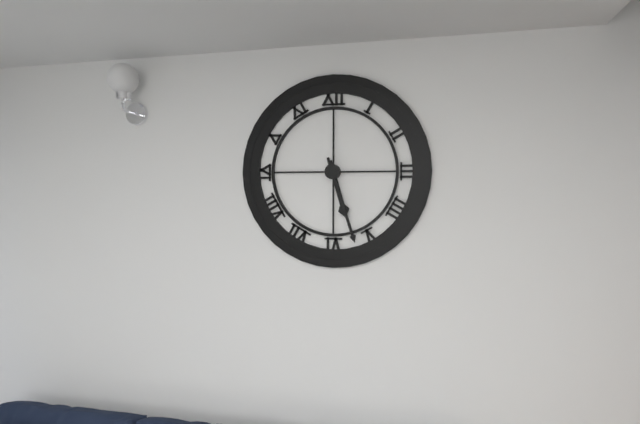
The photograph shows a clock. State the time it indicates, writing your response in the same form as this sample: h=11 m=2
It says h=5 m=27
